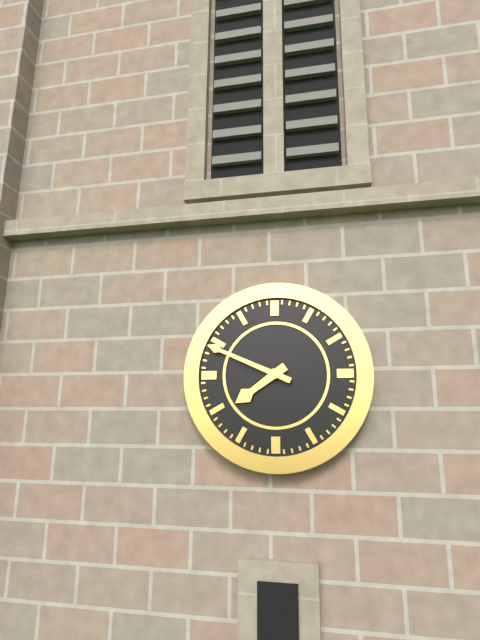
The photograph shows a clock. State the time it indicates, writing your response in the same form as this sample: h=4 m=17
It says h=7 m=49
